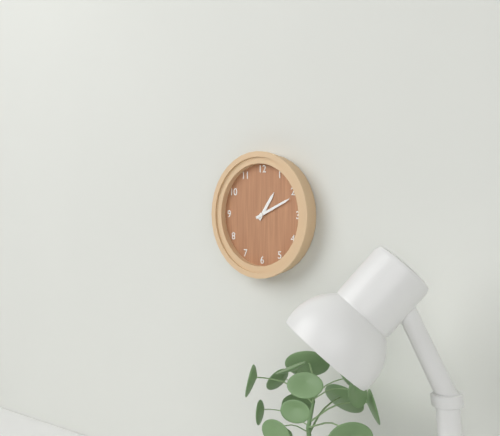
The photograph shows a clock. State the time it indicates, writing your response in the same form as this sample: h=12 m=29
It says h=1 m=11
